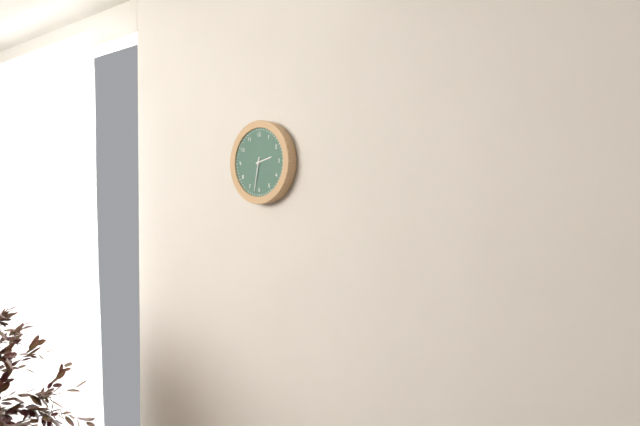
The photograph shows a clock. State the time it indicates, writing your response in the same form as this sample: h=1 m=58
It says h=2 m=32
